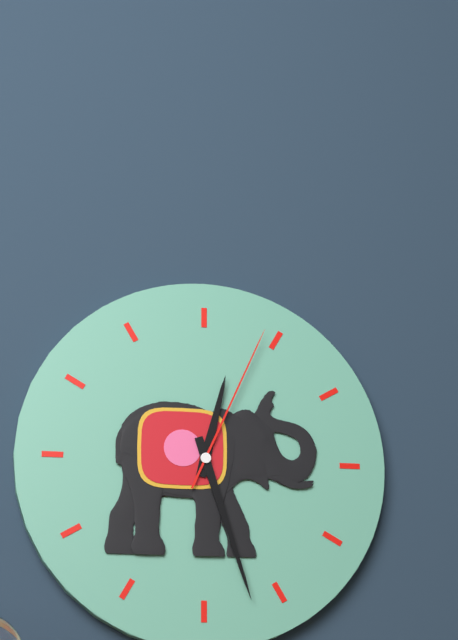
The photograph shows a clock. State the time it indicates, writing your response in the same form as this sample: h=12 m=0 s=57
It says h=12 m=27 s=4
